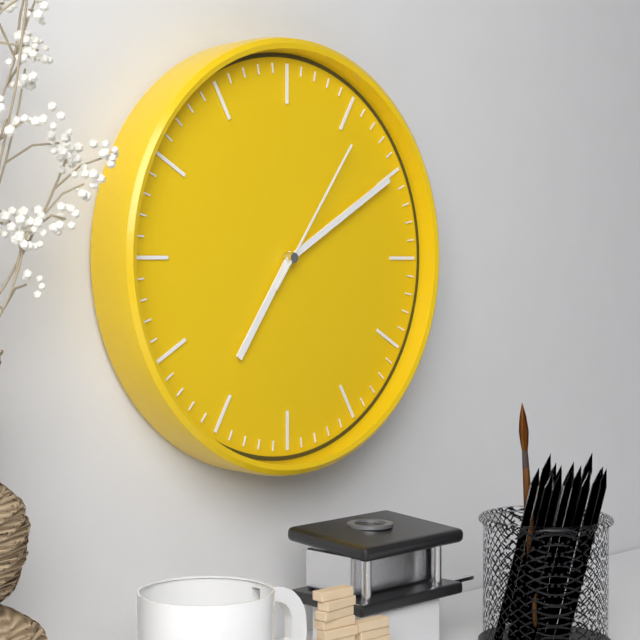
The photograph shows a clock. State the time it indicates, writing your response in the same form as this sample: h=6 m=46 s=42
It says h=7 m=10 s=6
